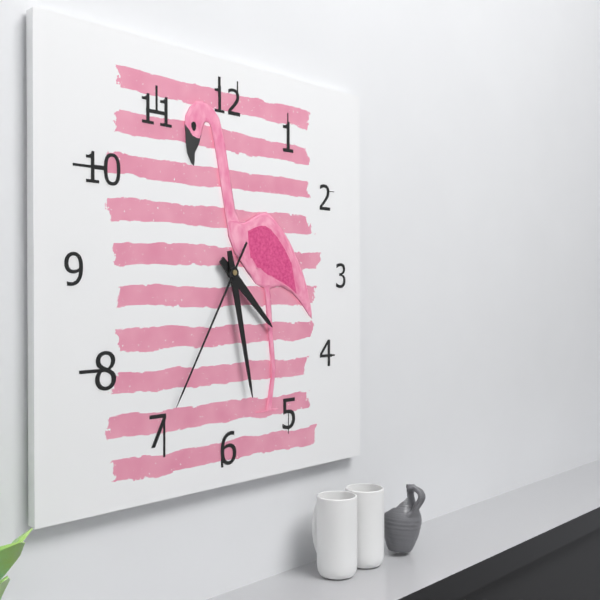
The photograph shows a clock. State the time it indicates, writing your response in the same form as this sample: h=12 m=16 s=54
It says h=4 m=28 s=35
